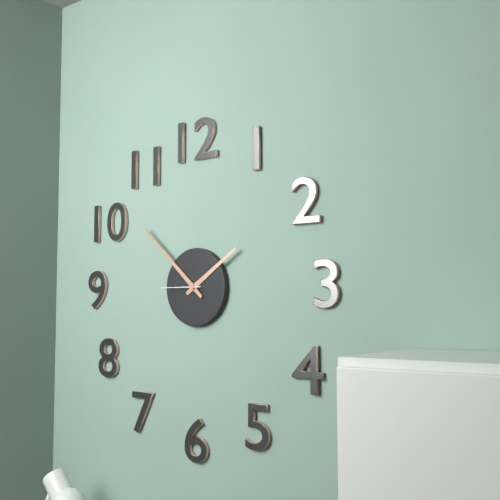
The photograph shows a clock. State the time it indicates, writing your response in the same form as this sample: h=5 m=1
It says h=1 m=52
